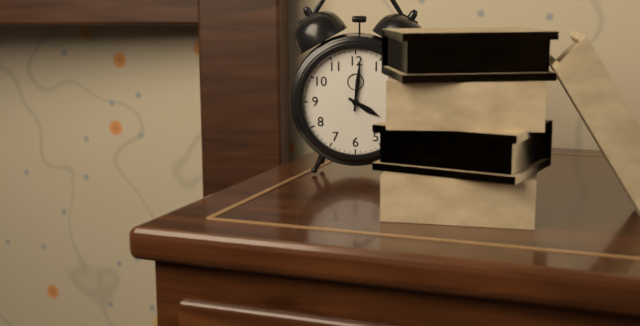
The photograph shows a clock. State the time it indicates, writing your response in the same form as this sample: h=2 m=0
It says h=4 m=1
